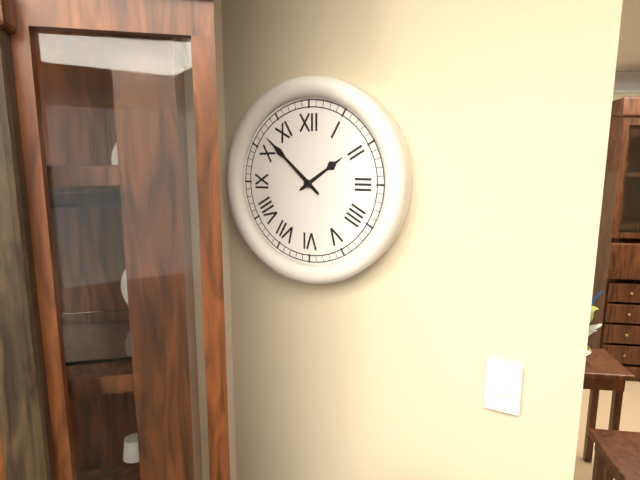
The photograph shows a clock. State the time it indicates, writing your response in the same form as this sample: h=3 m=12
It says h=1 m=52
